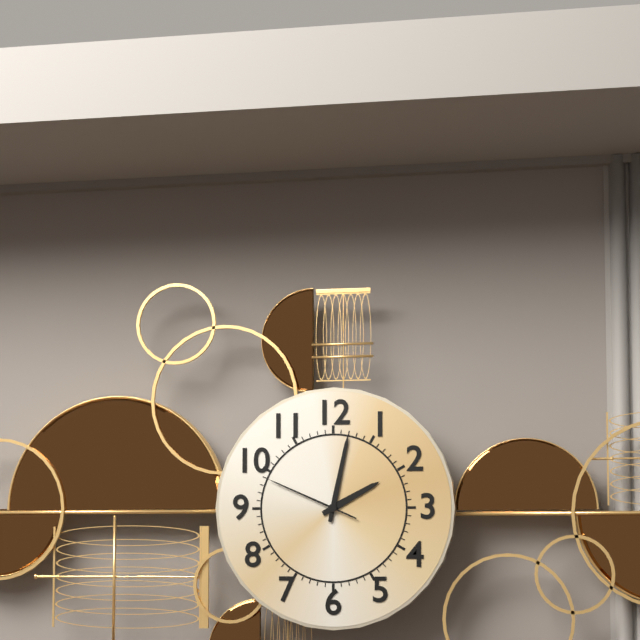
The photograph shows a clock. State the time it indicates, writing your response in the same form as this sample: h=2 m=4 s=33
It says h=2 m=2 s=49
